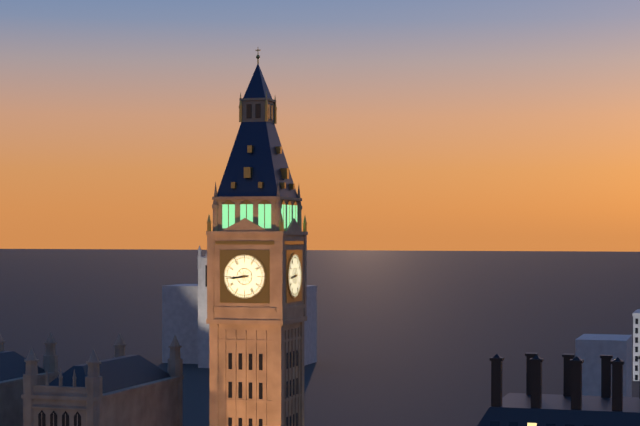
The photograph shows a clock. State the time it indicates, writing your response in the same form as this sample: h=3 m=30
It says h=8 m=44
